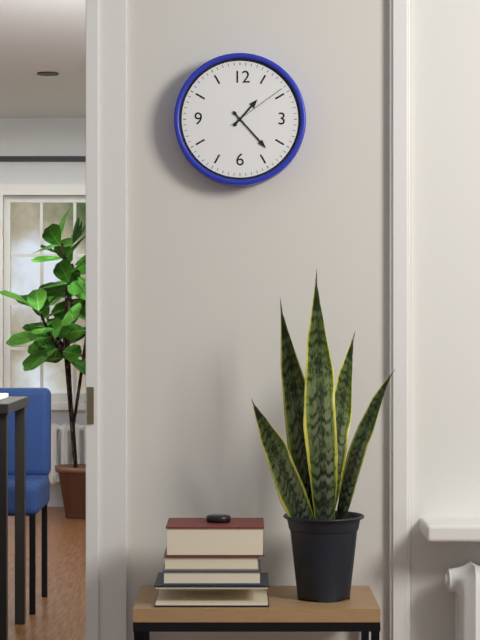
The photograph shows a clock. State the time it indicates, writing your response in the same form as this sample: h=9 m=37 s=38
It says h=1 m=23 s=9
